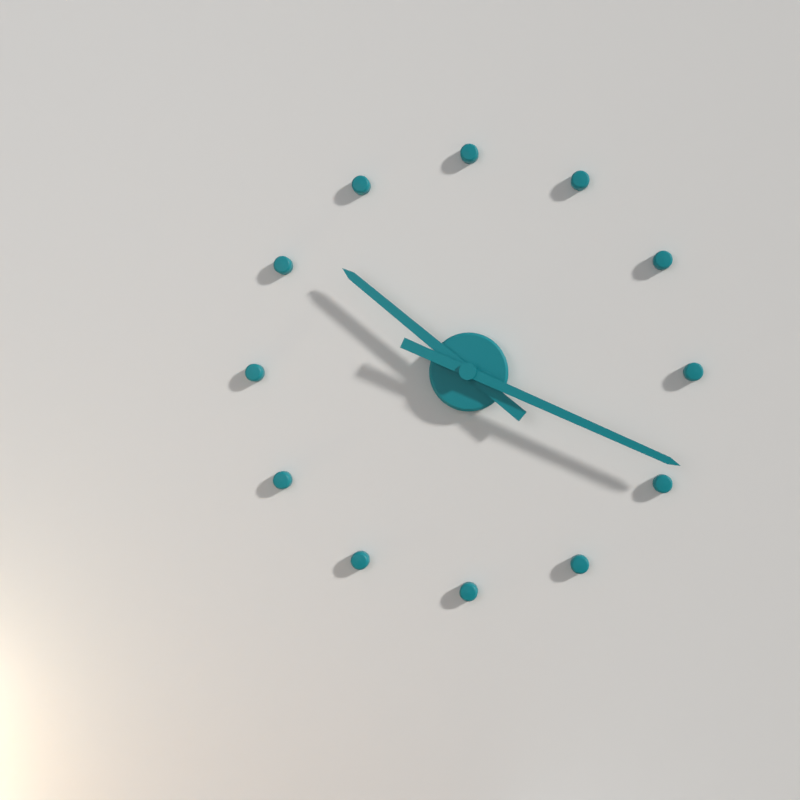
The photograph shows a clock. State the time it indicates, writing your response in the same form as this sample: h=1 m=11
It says h=10 m=19
